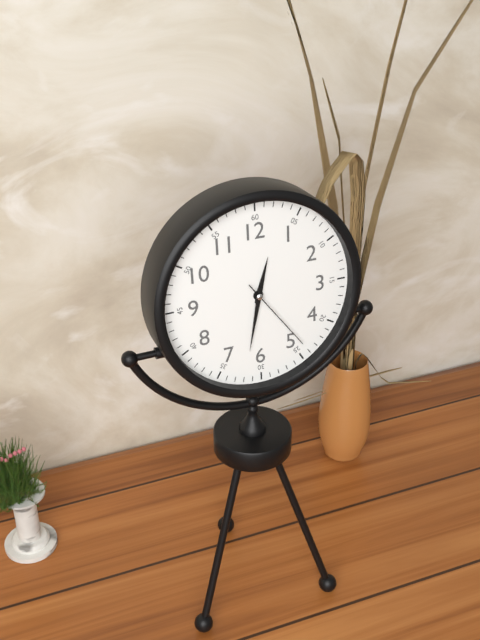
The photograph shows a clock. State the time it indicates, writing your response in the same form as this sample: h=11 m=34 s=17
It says h=12 m=32 s=24
